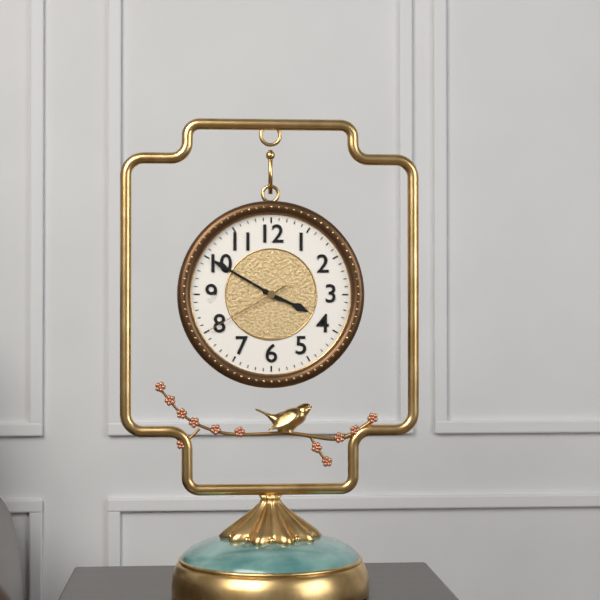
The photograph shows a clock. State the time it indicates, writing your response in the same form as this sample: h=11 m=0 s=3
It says h=3 m=50 s=40
